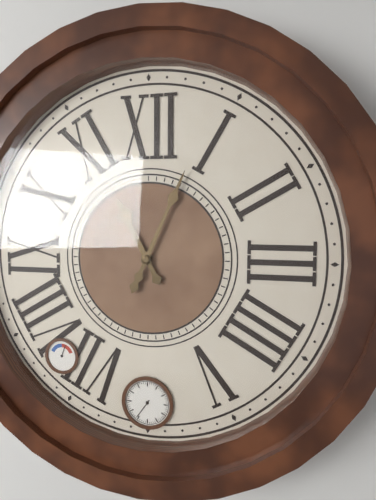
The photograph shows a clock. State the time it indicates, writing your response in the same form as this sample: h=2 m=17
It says h=11 m=4
